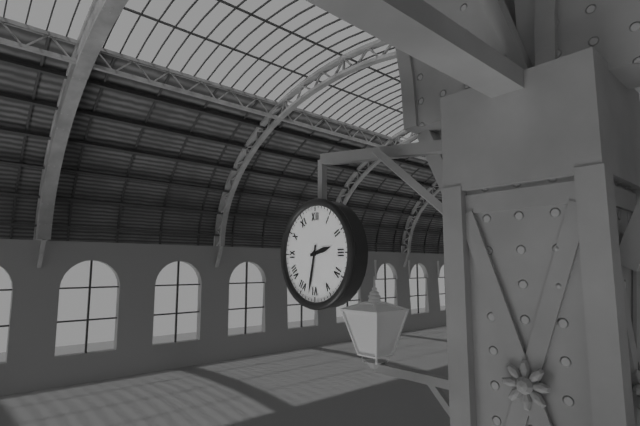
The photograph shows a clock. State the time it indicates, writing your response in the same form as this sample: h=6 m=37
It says h=2 m=32
